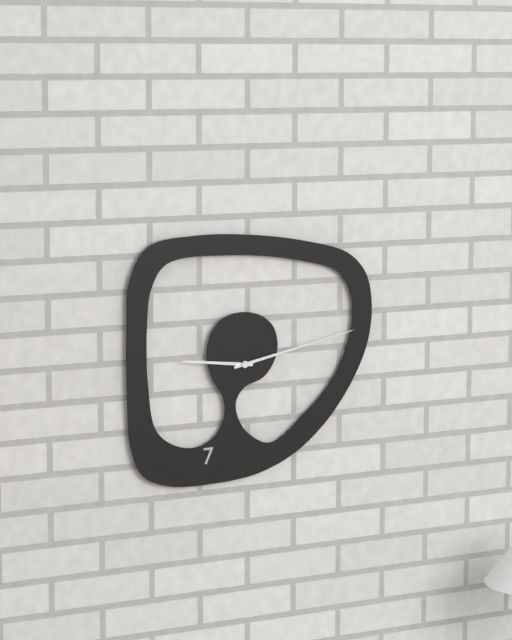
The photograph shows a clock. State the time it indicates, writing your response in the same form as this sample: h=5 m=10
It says h=9 m=13
